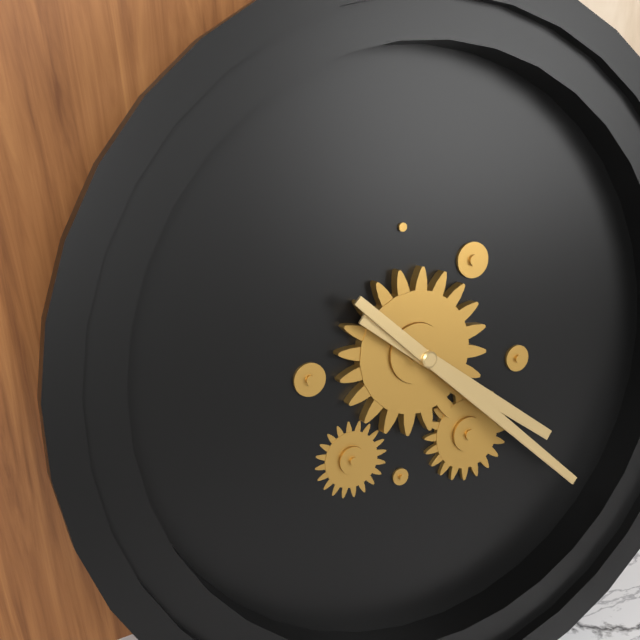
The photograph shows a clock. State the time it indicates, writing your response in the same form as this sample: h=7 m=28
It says h=4 m=23
